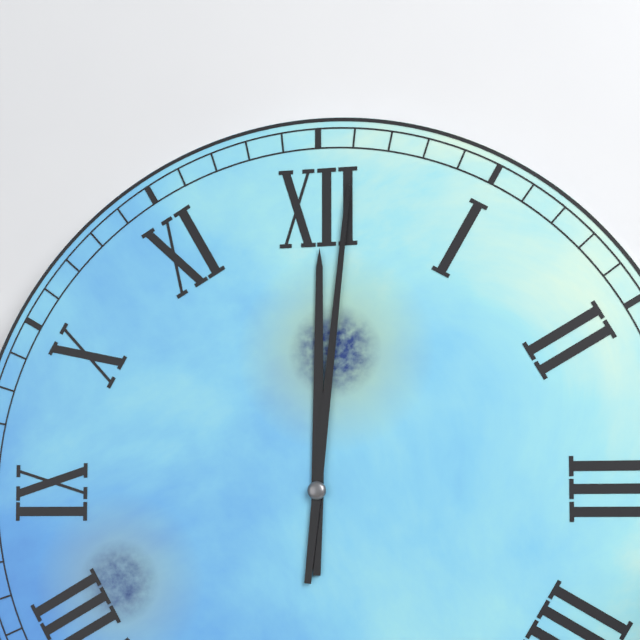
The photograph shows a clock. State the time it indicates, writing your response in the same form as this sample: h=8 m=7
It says h=12 m=1
